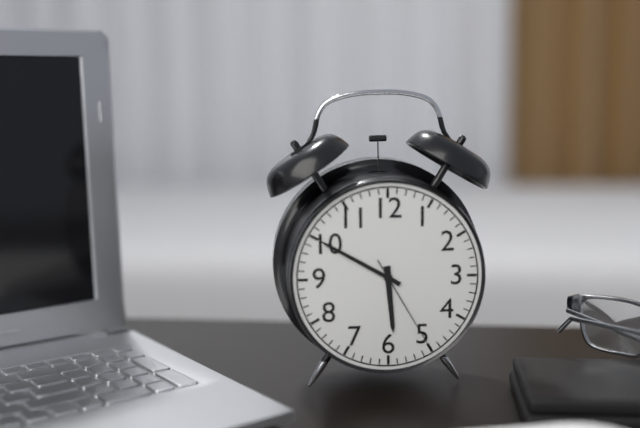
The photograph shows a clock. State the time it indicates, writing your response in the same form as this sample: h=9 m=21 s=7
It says h=5 m=50 s=25
